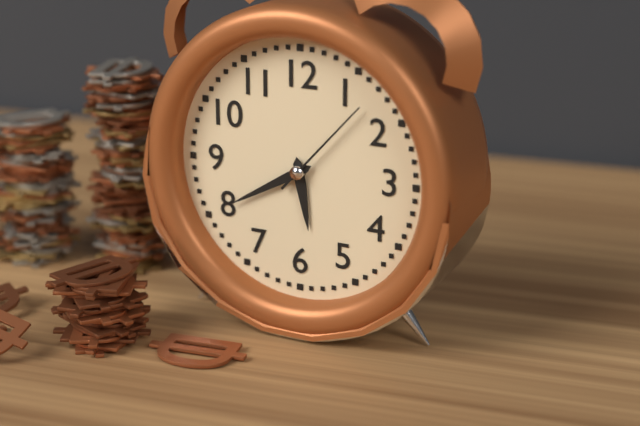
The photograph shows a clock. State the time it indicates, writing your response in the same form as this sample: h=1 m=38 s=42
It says h=5 m=40 s=7
